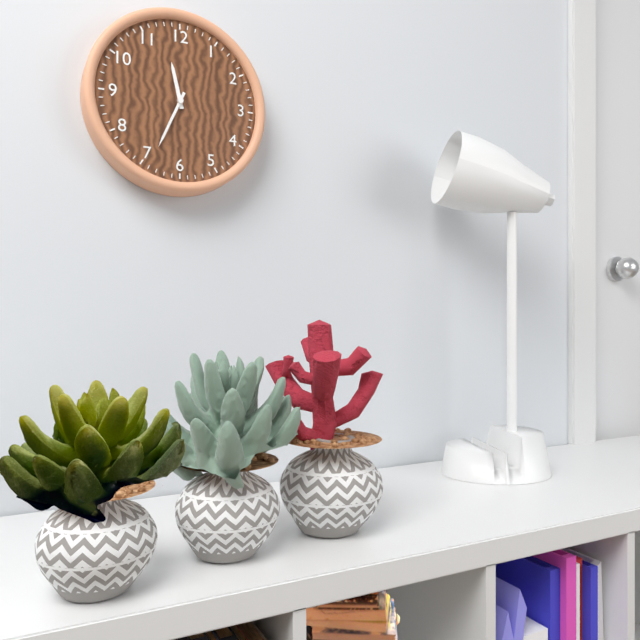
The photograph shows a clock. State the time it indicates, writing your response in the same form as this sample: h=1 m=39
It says h=11 m=34
